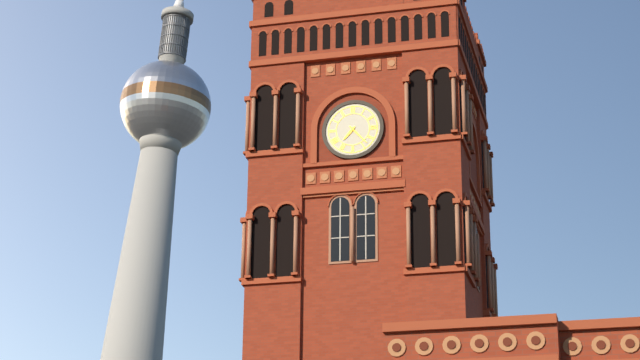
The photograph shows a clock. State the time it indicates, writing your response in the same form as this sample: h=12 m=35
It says h=7 m=23
